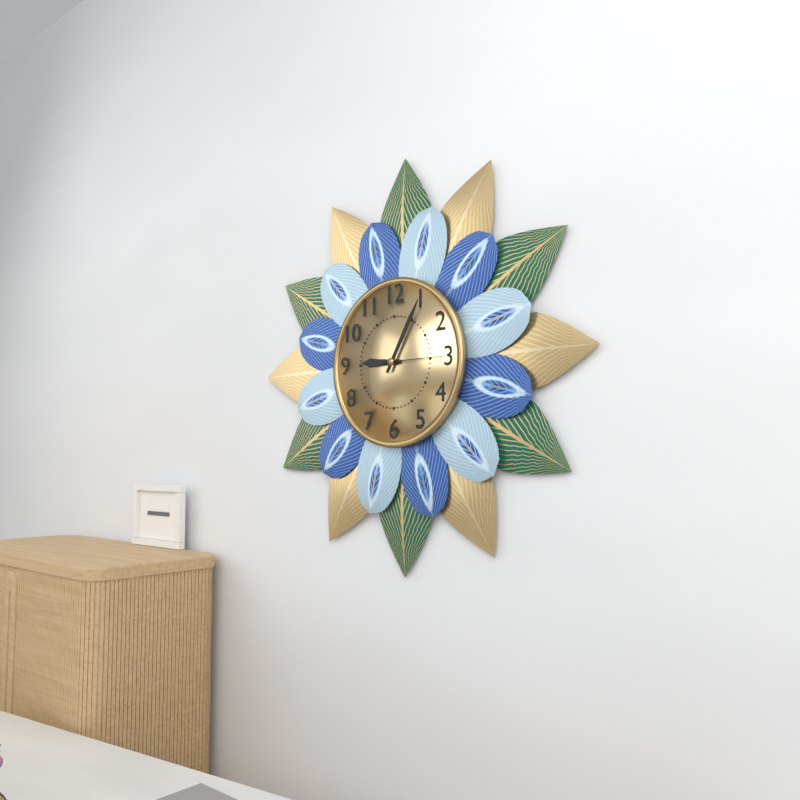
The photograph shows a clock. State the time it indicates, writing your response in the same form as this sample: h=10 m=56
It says h=9 m=5
